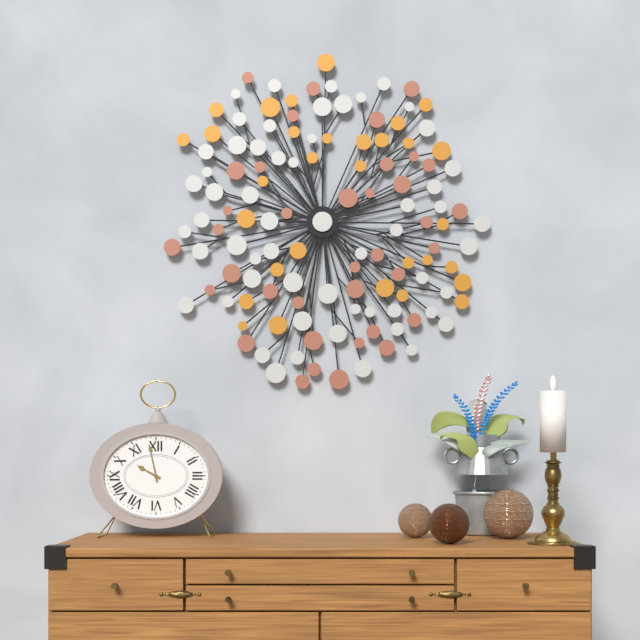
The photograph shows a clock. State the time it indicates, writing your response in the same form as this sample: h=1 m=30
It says h=9 m=58
